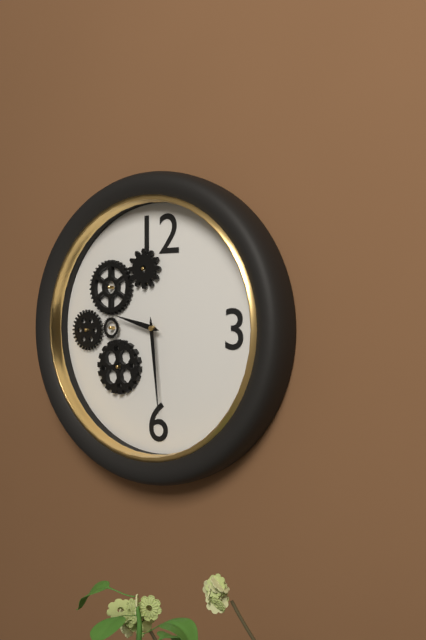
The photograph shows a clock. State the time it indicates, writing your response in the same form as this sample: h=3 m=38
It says h=9 m=29
